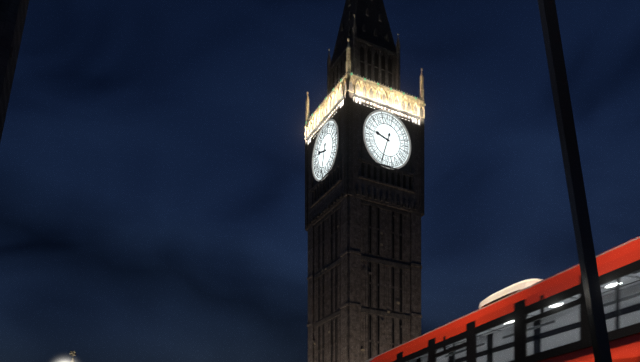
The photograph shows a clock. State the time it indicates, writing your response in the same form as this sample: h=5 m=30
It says h=9 m=33
